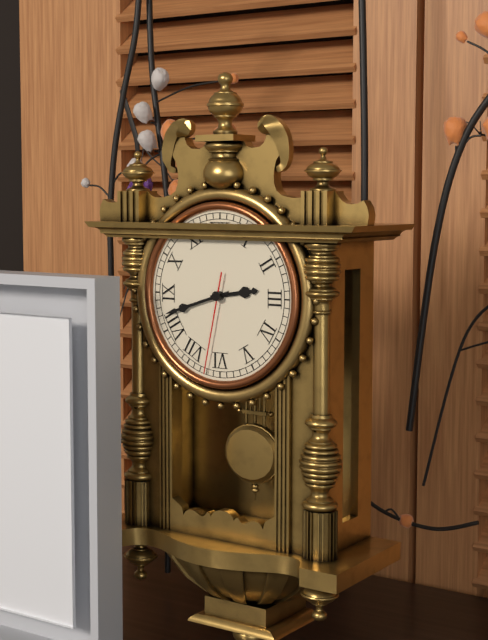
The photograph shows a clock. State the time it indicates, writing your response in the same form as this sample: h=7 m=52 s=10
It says h=2 m=42 s=32
